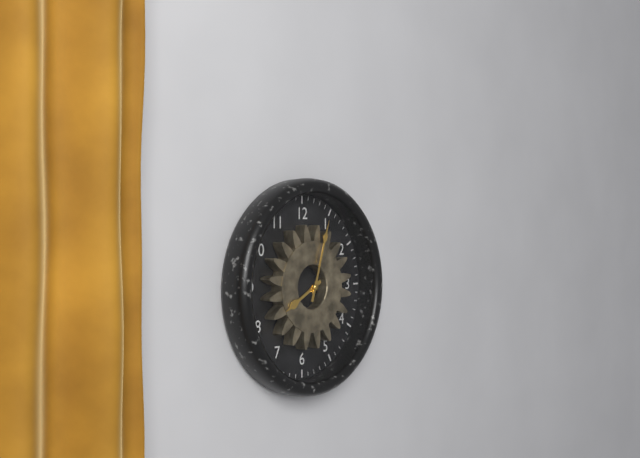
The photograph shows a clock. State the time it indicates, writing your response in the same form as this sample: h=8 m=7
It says h=8 m=3
